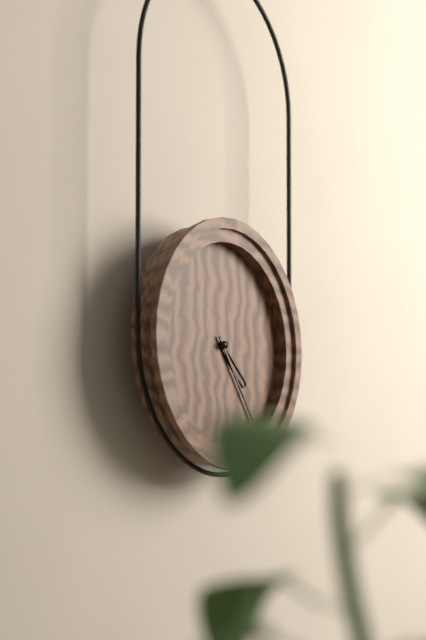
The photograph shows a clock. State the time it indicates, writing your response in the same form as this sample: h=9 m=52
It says h=4 m=24
